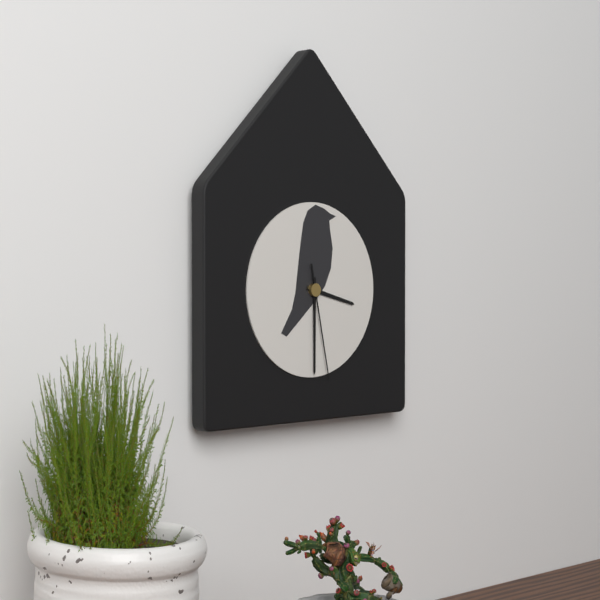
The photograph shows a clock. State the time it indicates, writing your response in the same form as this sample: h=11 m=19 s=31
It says h=3 m=30 s=28
